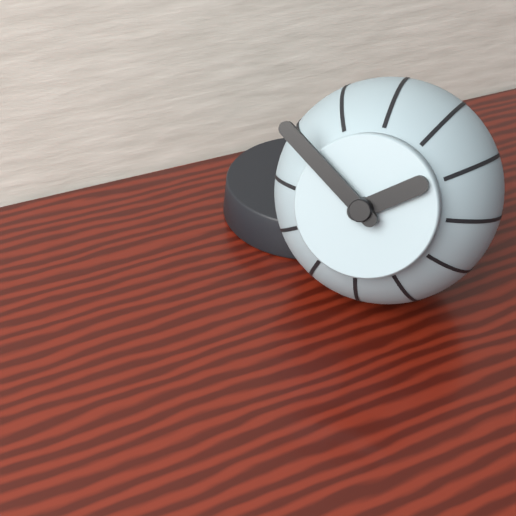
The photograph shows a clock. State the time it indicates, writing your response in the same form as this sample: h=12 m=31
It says h=1 m=51
